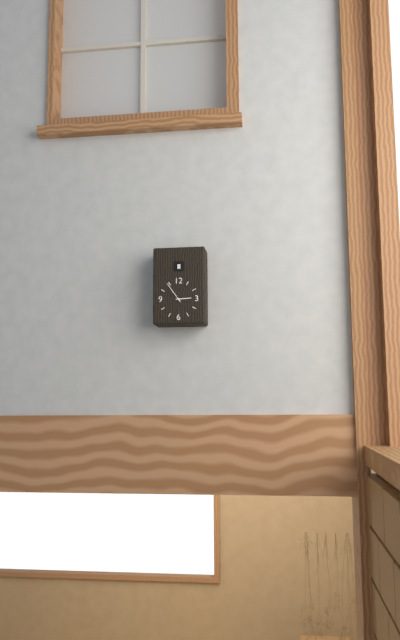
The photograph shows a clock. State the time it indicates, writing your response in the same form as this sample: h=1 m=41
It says h=2 m=54
